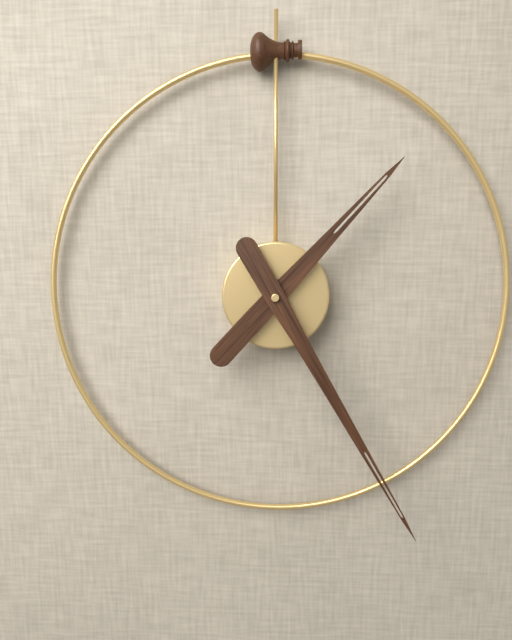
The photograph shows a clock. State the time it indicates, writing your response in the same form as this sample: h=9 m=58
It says h=1 m=25
